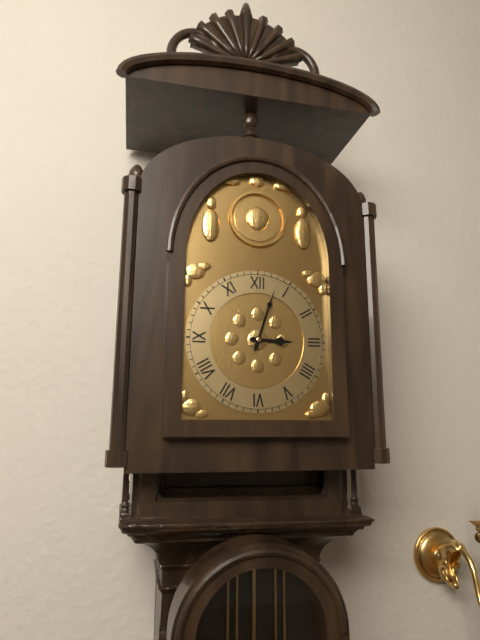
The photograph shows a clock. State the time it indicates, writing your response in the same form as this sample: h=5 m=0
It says h=3 m=3
